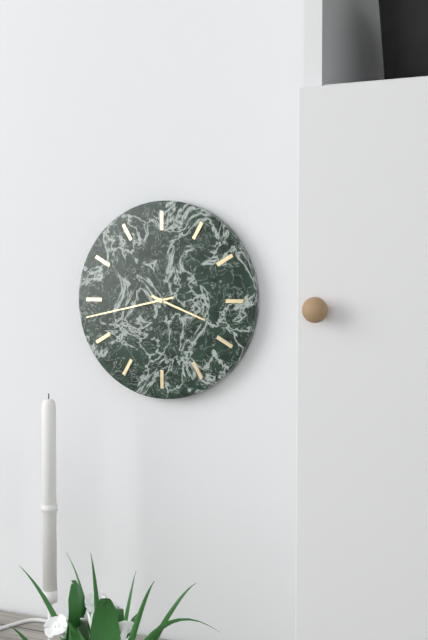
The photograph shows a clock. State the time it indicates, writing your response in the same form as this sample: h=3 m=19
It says h=3 m=43
